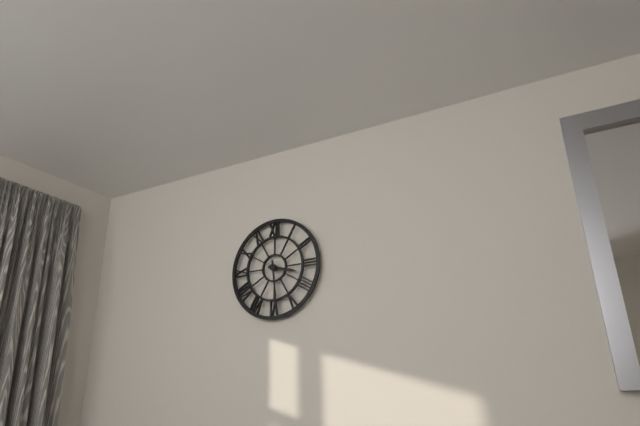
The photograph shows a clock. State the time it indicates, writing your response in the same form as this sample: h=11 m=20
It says h=3 m=29
